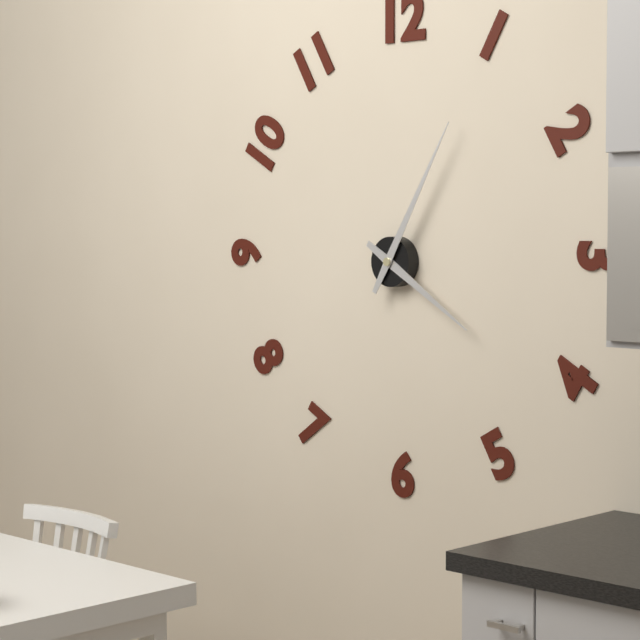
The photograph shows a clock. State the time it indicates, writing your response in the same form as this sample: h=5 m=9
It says h=4 m=5
